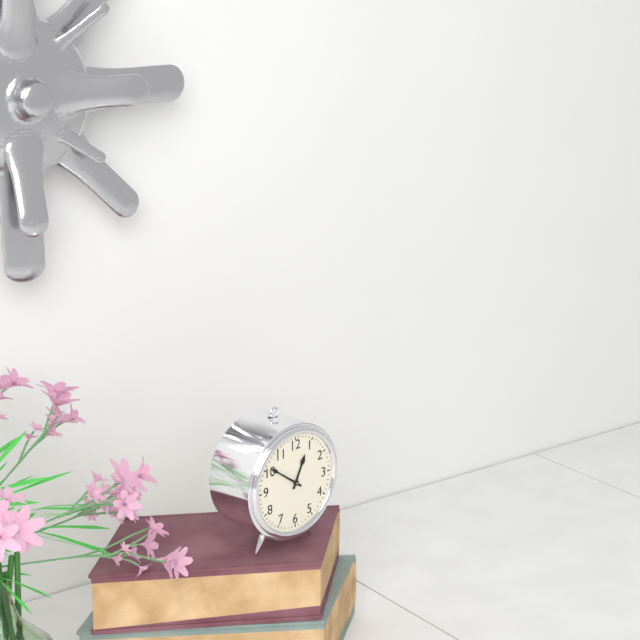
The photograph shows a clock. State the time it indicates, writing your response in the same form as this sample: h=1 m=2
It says h=12 m=51
